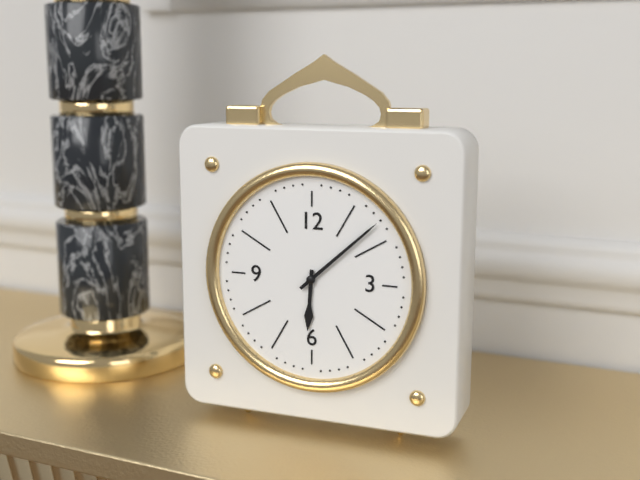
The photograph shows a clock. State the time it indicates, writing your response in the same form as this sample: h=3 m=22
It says h=6 m=8
